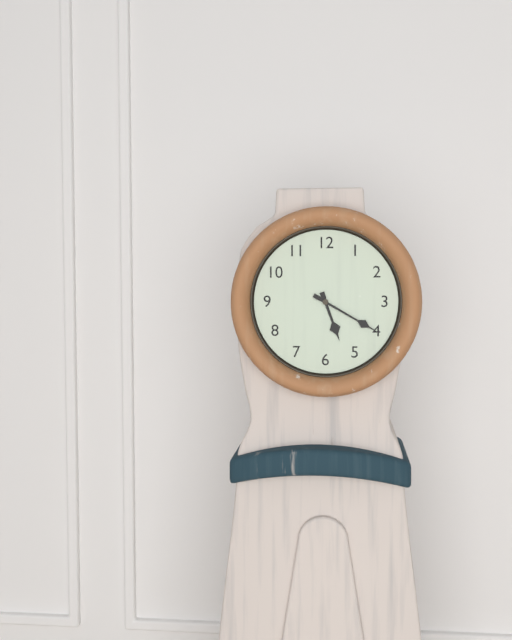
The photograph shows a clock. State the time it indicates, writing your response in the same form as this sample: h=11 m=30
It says h=5 m=20
